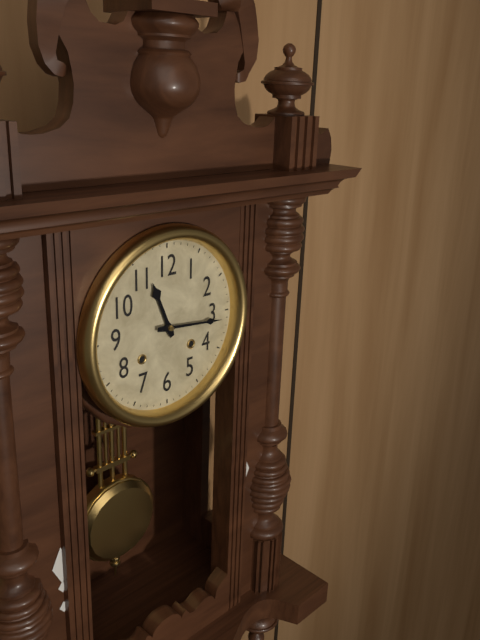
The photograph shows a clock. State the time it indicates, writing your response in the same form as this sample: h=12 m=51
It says h=11 m=16
